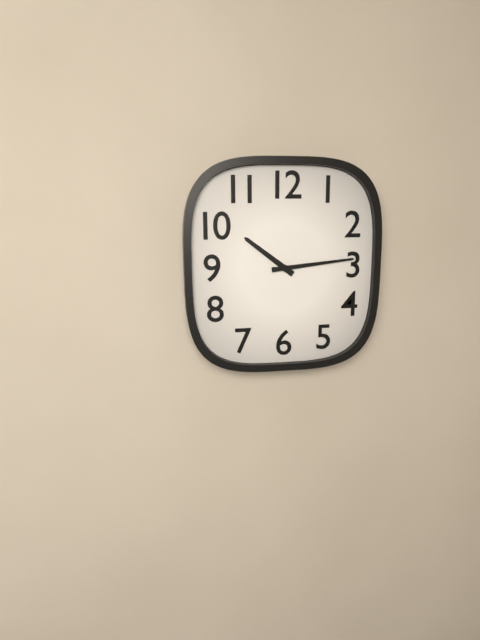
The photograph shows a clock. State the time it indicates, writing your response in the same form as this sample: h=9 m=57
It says h=10 m=14
